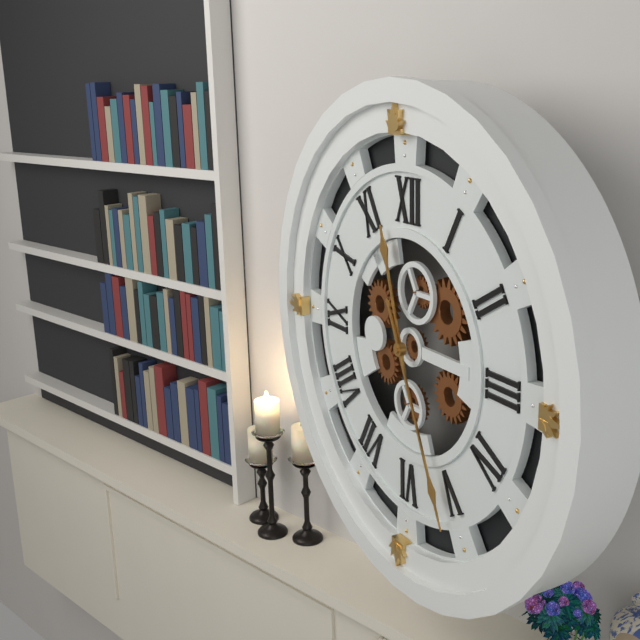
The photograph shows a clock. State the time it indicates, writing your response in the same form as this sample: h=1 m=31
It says h=11 m=26
